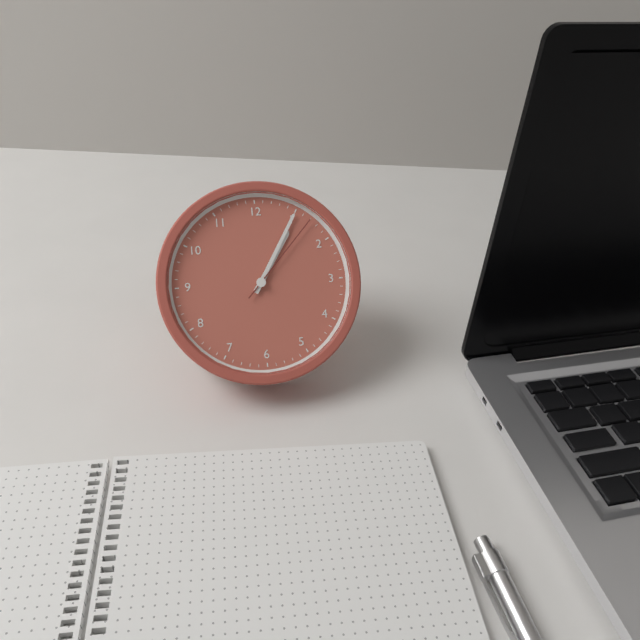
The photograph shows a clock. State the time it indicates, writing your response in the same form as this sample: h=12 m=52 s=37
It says h=1 m=5 s=7
